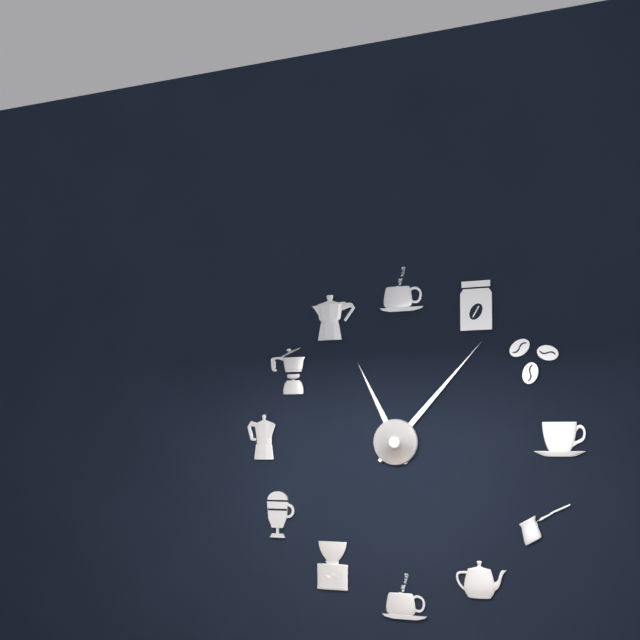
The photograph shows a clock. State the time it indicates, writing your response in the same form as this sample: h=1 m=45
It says h=11 m=7
